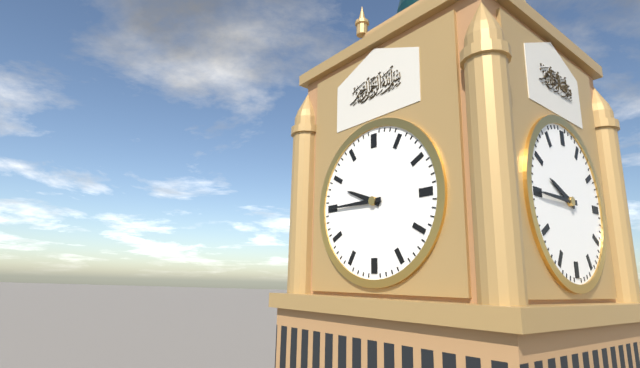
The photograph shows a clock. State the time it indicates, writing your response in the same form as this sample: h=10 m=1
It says h=9 m=45
